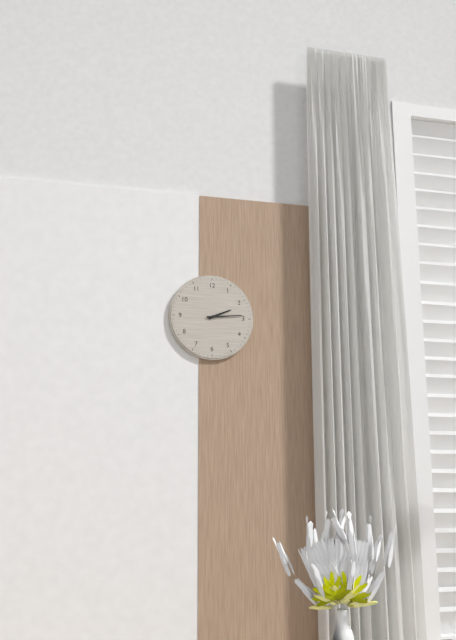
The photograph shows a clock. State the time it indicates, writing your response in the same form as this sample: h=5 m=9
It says h=2 m=14
